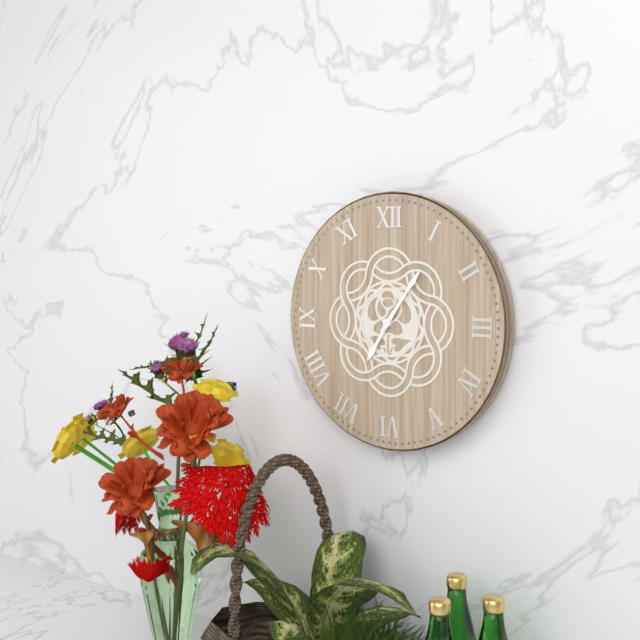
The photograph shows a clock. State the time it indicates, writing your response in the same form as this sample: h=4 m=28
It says h=7 m=6
